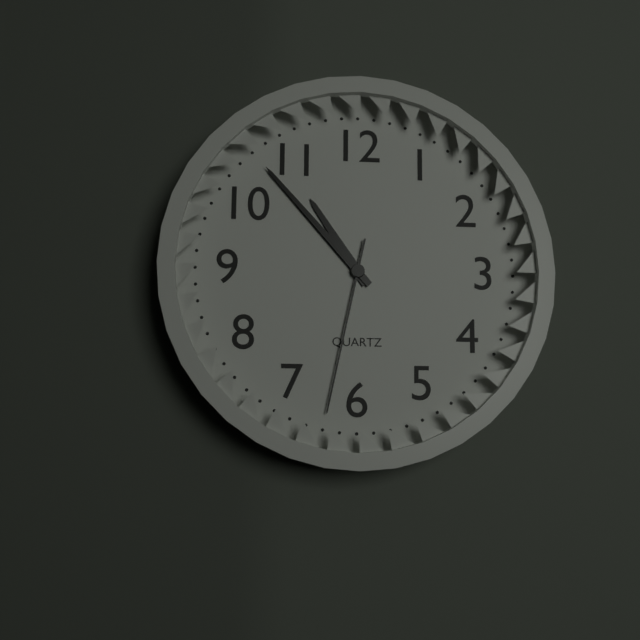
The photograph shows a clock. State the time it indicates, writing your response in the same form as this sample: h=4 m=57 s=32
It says h=10 m=53 s=32
